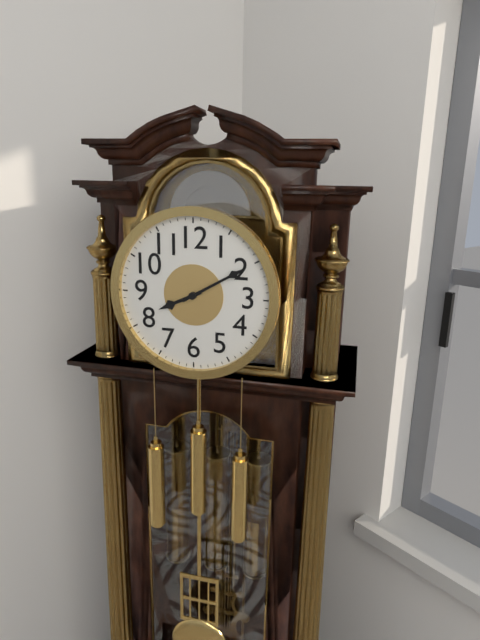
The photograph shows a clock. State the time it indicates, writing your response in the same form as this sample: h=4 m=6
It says h=8 m=10
